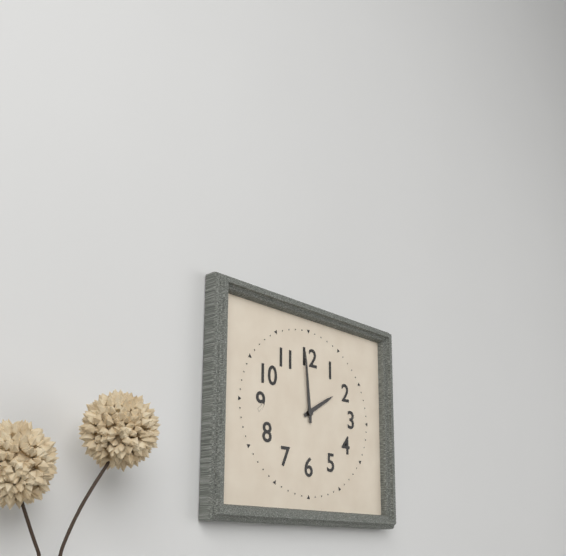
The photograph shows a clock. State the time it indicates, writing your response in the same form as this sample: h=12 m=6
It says h=1 m=59
